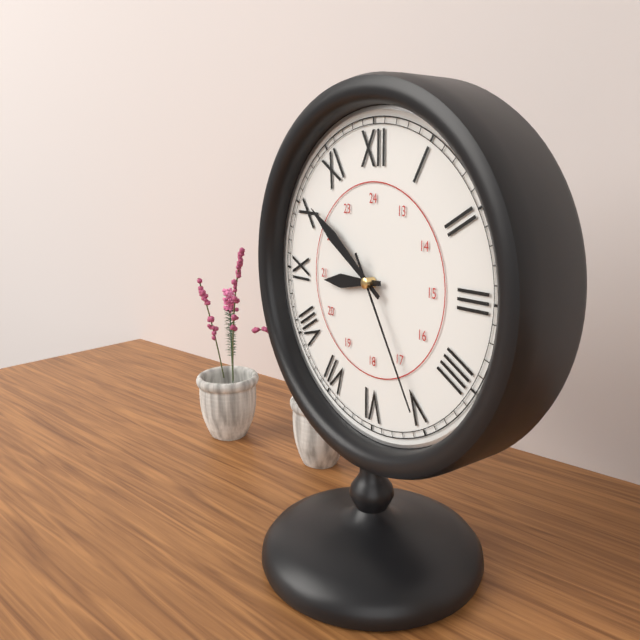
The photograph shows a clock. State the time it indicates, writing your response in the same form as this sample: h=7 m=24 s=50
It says h=8 m=51 s=25
